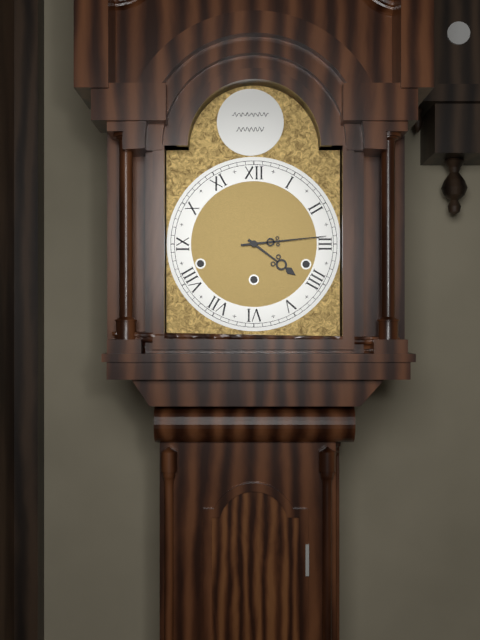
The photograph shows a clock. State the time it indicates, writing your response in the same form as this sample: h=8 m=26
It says h=4 m=14
